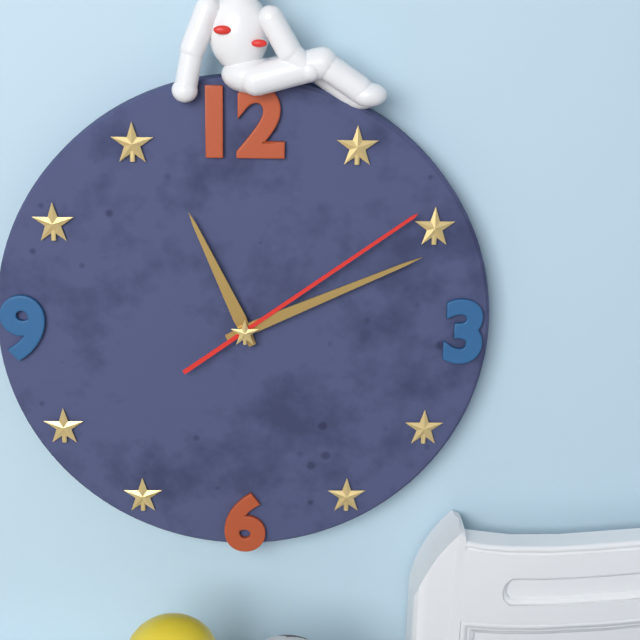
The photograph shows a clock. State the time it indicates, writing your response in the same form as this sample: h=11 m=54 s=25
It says h=11 m=11 s=9
